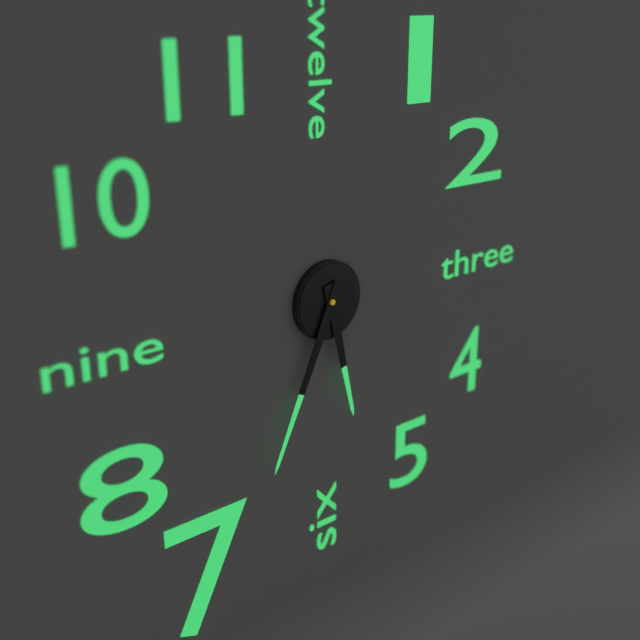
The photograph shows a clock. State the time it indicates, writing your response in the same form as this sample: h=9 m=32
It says h=5 m=34
